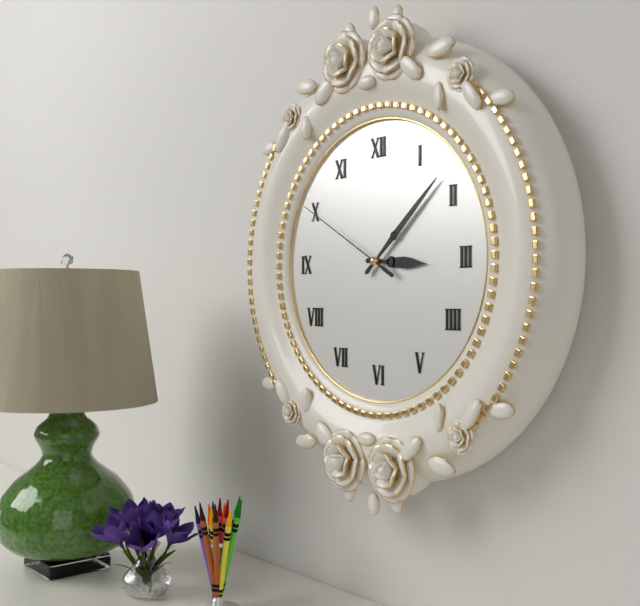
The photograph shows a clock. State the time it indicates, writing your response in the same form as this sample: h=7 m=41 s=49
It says h=3 m=8 s=50
